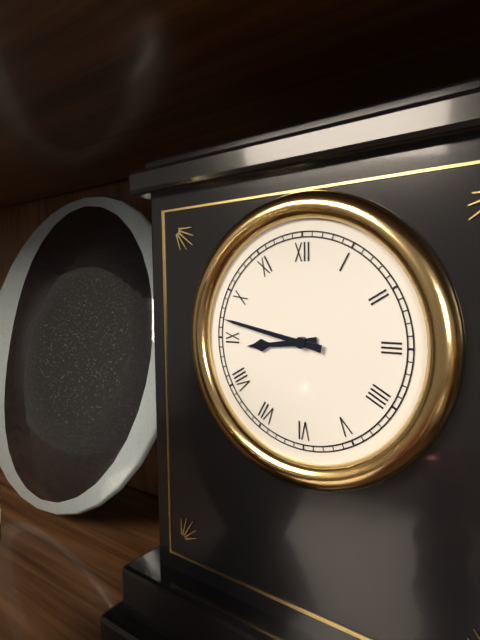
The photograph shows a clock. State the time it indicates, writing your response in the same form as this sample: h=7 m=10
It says h=8 m=47
